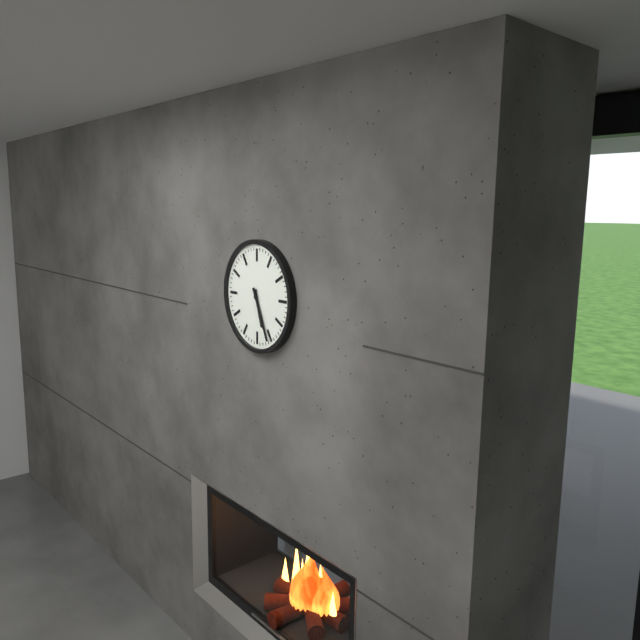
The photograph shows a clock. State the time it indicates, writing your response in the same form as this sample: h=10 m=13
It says h=5 m=26
